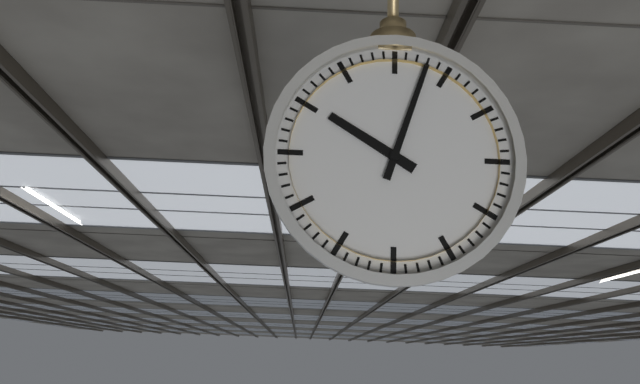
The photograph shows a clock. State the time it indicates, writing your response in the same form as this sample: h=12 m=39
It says h=10 m=3
